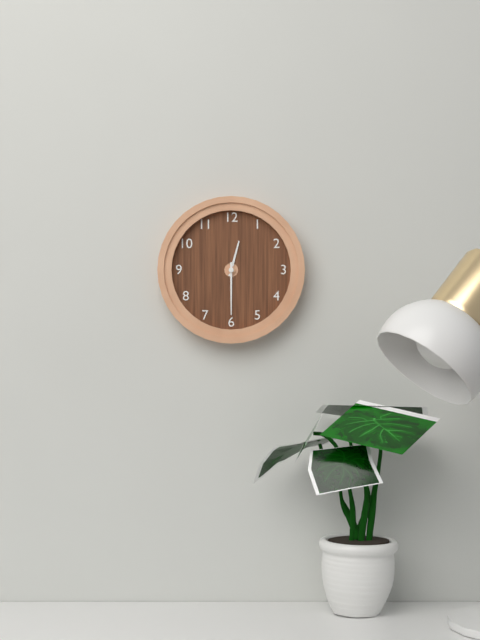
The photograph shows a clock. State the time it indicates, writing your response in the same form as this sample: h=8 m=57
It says h=12 m=30
